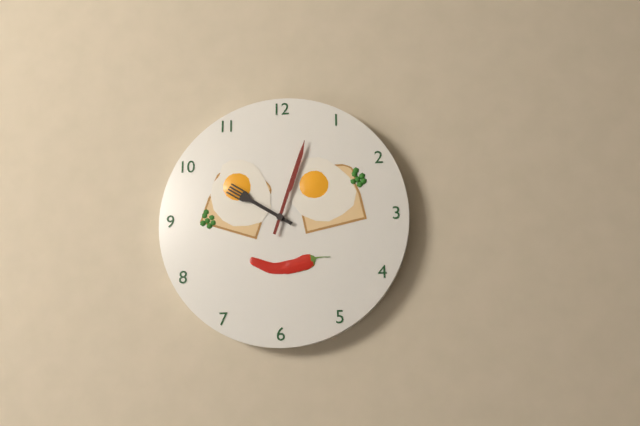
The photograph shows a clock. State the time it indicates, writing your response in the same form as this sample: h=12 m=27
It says h=10 m=3
